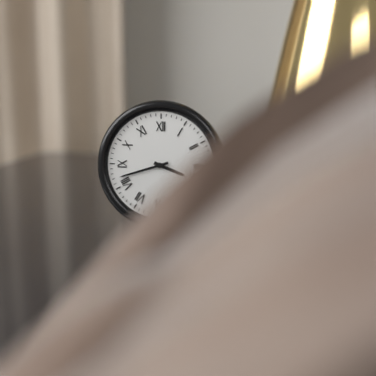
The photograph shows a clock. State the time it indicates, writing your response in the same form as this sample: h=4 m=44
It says h=3 m=42
